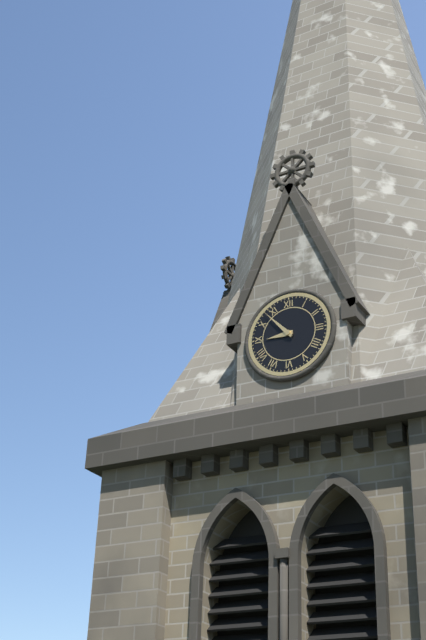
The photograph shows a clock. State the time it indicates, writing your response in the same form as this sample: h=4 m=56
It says h=8 m=53
